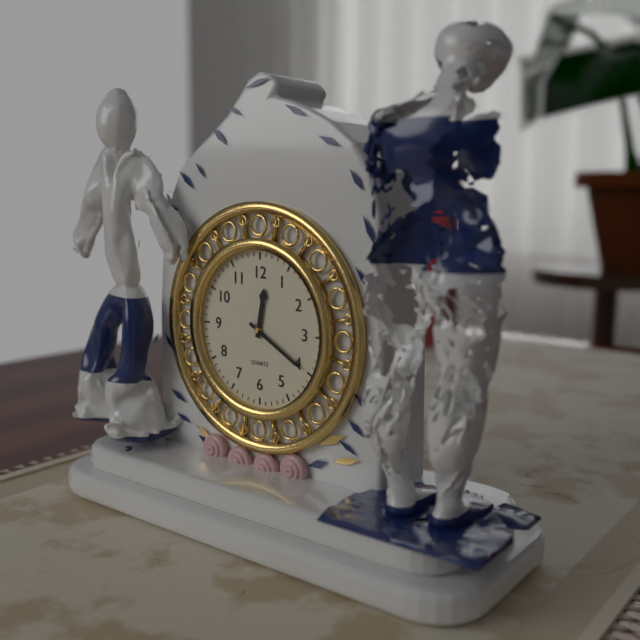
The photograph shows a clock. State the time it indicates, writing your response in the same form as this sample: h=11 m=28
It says h=12 m=20
